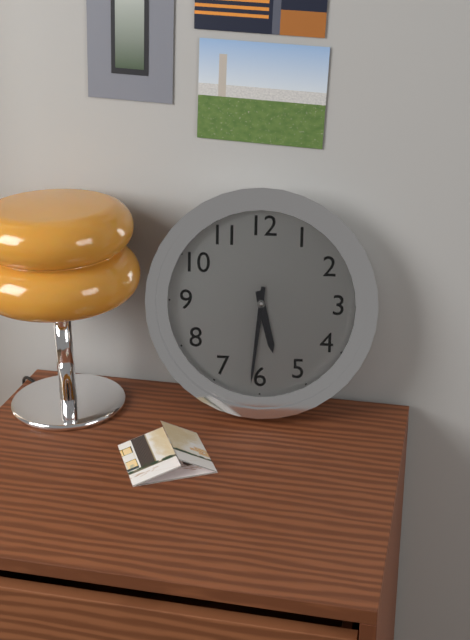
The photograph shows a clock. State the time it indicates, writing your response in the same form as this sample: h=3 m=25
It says h=5 m=31
